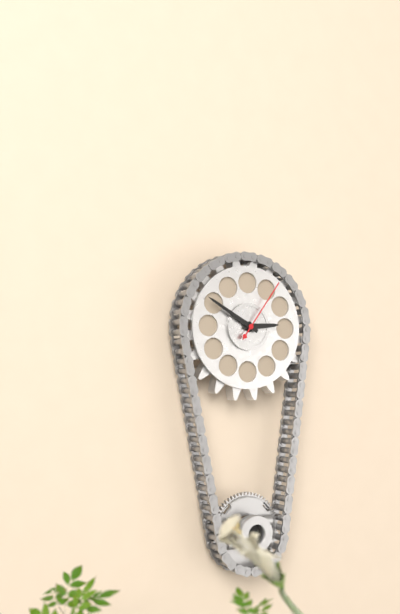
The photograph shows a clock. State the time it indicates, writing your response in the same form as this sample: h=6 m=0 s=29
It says h=2 m=50 s=6
